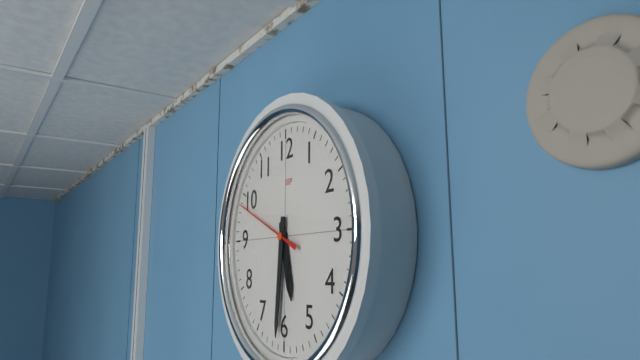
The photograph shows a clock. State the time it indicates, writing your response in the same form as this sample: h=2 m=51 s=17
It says h=5 m=31 s=49
